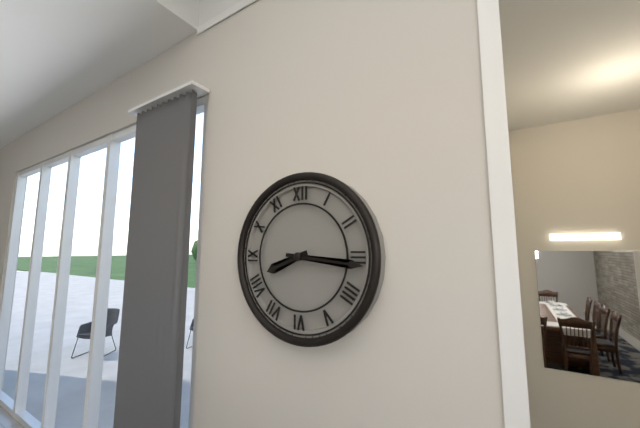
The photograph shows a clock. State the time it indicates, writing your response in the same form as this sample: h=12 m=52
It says h=8 m=16
